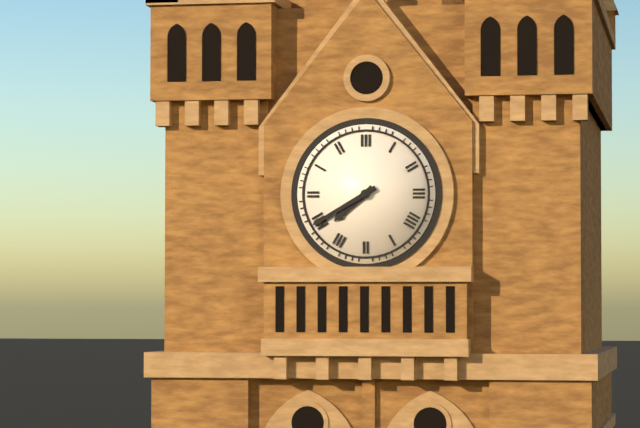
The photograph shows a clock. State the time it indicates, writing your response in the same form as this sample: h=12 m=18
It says h=7 m=40
